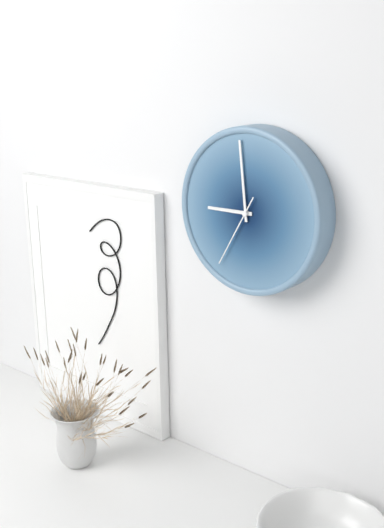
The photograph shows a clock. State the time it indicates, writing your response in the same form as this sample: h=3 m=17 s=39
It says h=8 m=59 s=35
